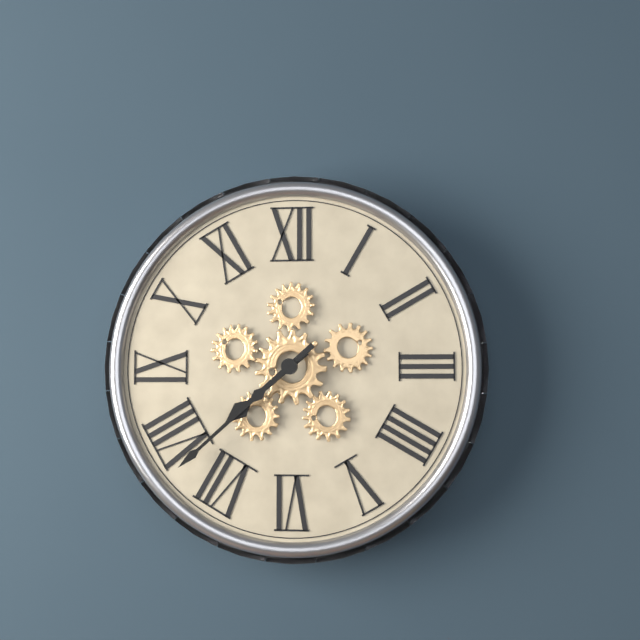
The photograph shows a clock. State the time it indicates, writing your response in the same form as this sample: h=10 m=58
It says h=7 m=38
